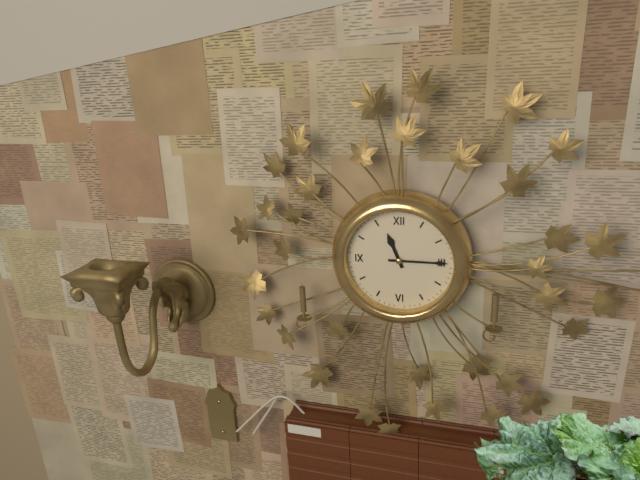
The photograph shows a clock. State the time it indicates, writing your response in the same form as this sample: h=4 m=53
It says h=11 m=15
